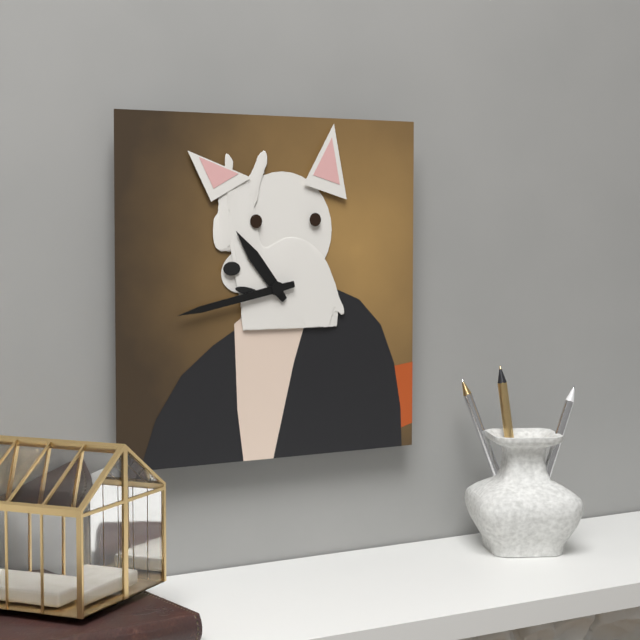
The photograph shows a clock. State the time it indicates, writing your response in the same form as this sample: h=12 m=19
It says h=10 m=43
